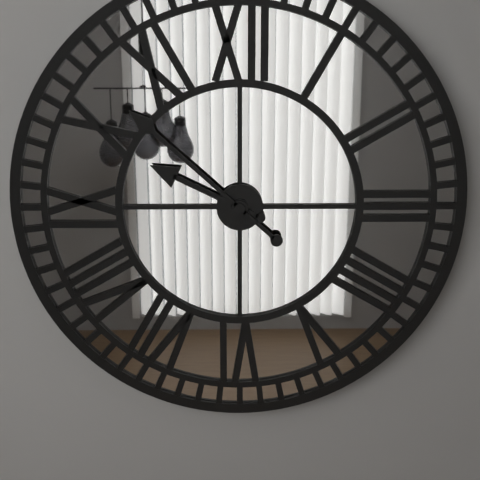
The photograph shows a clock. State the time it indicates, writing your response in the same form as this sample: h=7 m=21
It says h=9 m=52
